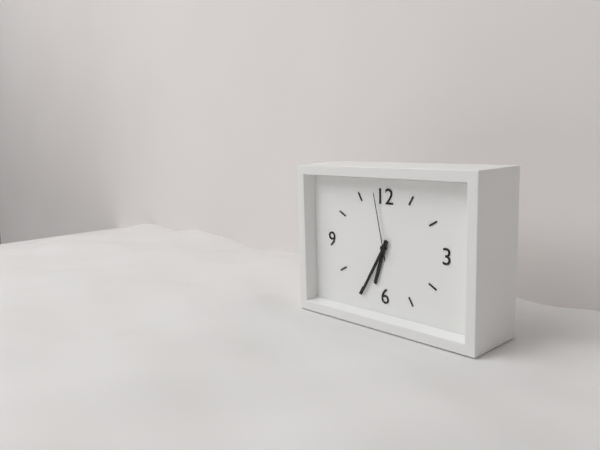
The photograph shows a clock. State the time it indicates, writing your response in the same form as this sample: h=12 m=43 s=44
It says h=6 m=35 s=58
